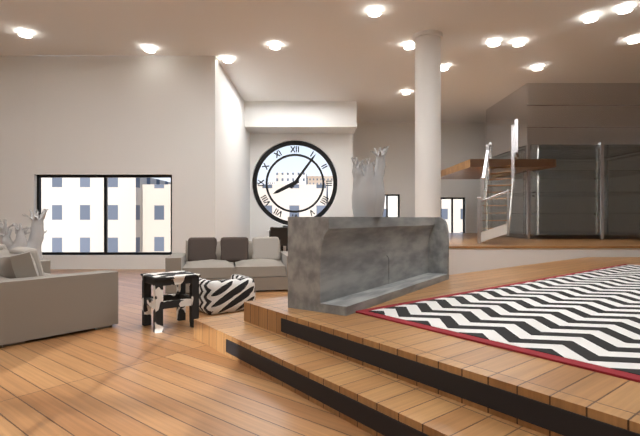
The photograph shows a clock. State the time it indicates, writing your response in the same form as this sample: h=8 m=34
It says h=8 m=6
